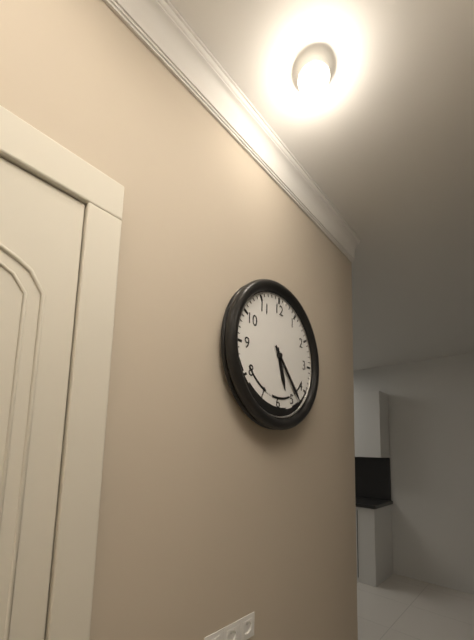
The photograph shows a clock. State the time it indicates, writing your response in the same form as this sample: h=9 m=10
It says h=5 m=23
